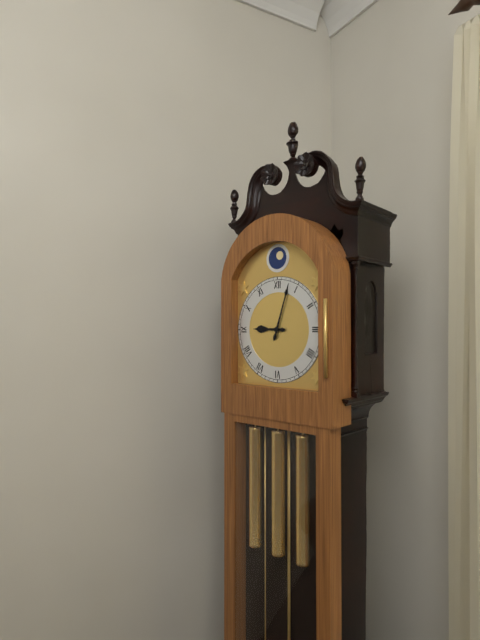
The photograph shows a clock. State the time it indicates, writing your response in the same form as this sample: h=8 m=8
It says h=9 m=3
